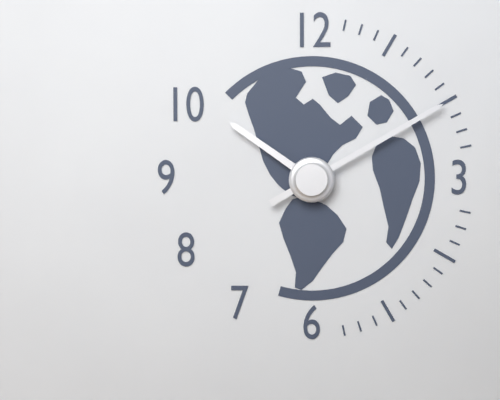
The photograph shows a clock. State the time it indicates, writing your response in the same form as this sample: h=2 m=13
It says h=10 m=10
